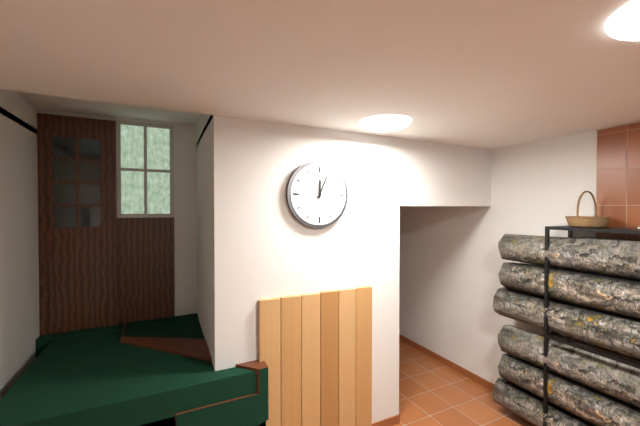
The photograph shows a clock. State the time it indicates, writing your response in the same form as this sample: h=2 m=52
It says h=12 m=4
